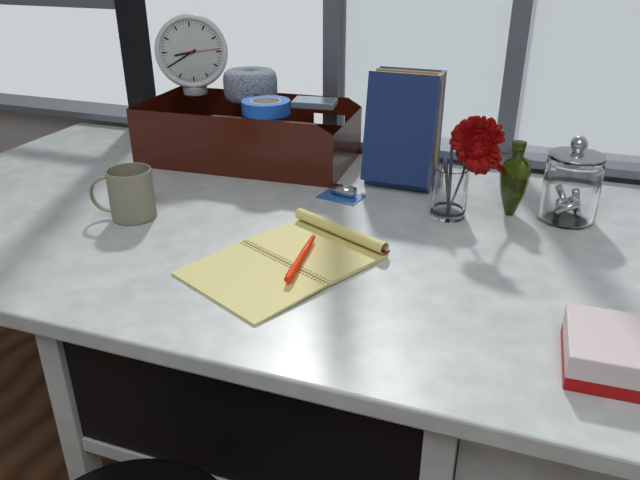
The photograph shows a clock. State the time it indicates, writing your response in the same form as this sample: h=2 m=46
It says h=8 m=40
